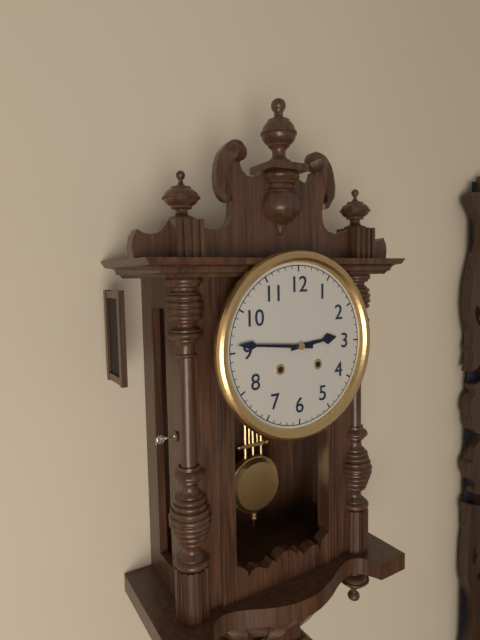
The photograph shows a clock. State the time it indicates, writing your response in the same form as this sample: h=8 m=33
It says h=2 m=46
